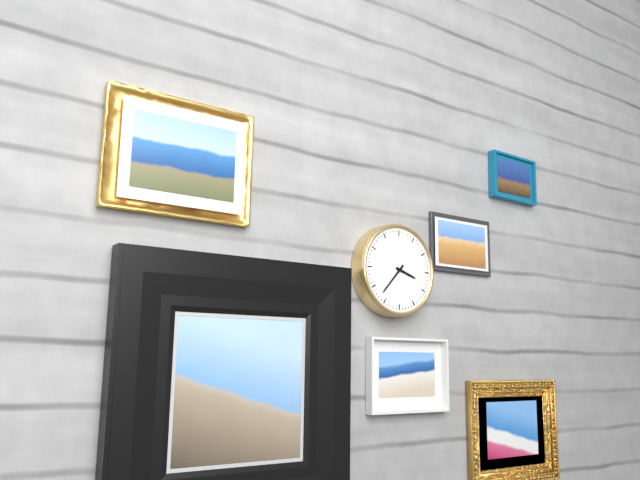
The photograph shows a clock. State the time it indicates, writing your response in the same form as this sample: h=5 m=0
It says h=3 m=37
